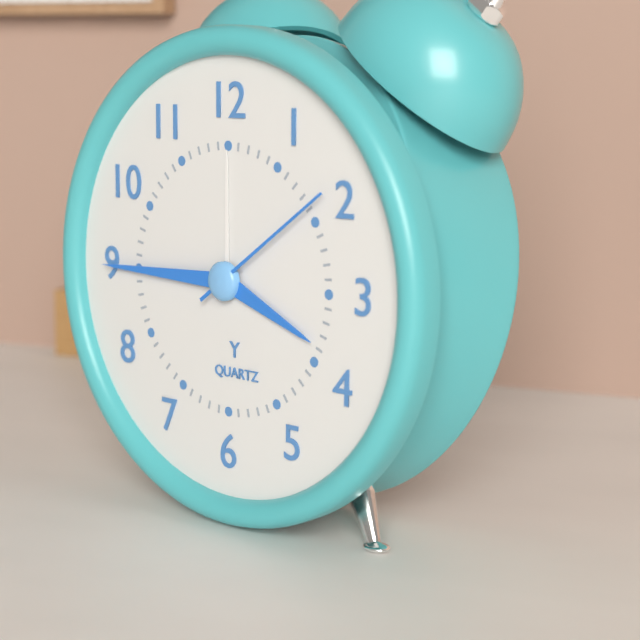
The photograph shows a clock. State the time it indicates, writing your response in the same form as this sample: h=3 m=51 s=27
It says h=3 m=45 s=9
